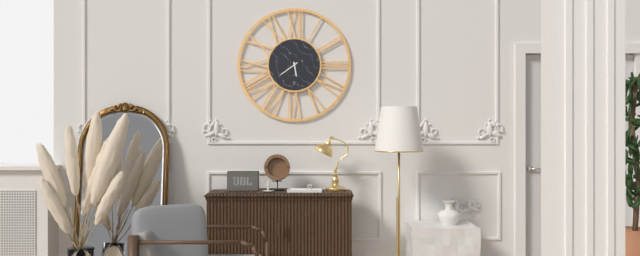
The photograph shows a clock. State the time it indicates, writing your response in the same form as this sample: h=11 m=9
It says h=5 m=39
